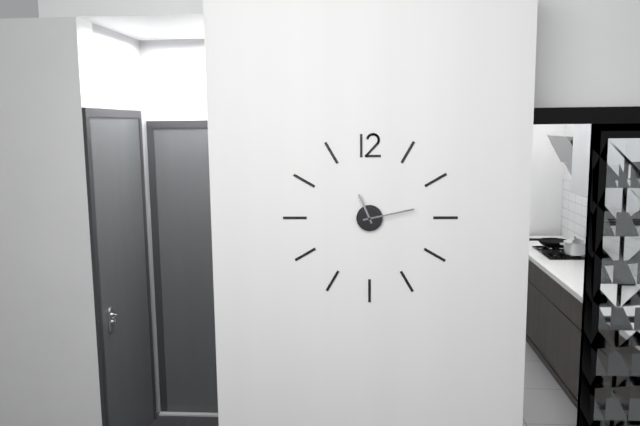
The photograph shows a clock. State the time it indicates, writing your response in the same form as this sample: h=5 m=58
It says h=11 m=13
